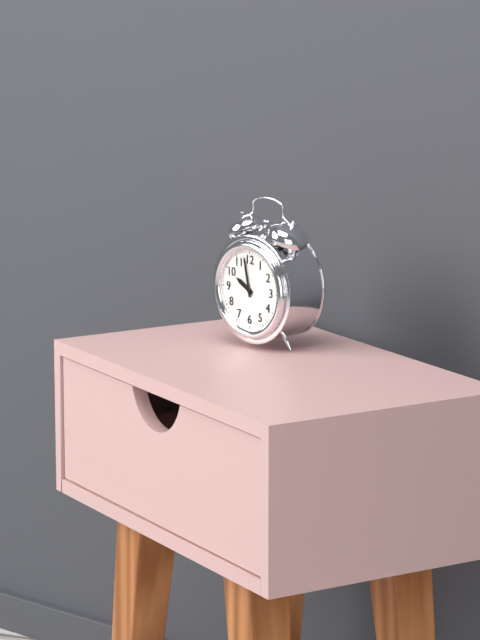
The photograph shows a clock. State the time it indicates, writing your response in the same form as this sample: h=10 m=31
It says h=9 m=58
